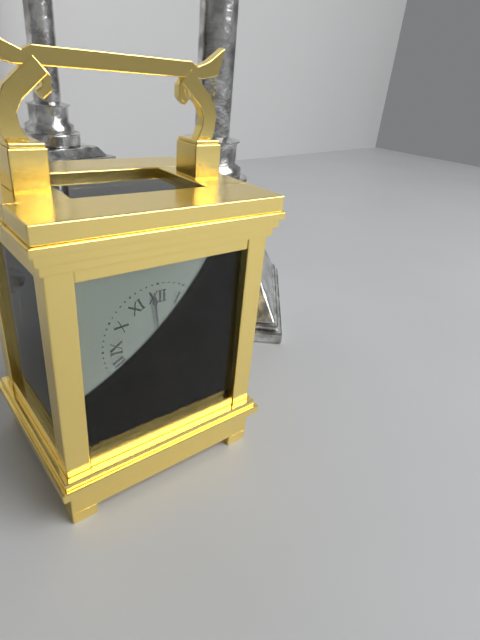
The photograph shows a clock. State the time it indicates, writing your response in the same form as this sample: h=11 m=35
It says h=6 m=59
